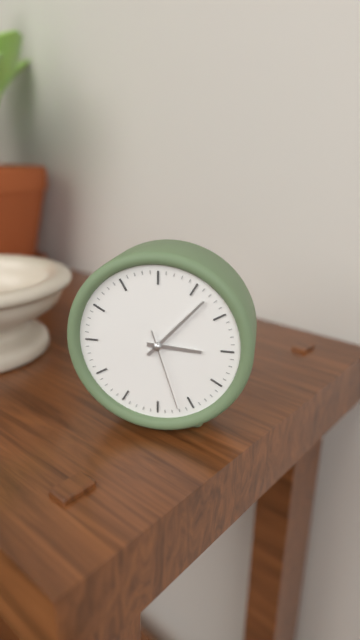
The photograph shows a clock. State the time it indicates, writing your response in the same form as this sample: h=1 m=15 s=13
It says h=3 m=7 s=27
